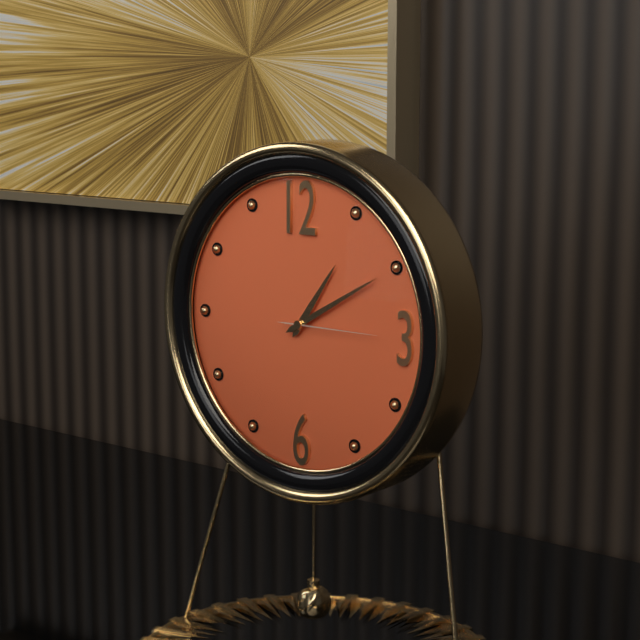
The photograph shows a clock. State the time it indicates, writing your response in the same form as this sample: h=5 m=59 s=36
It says h=1 m=10 s=15
